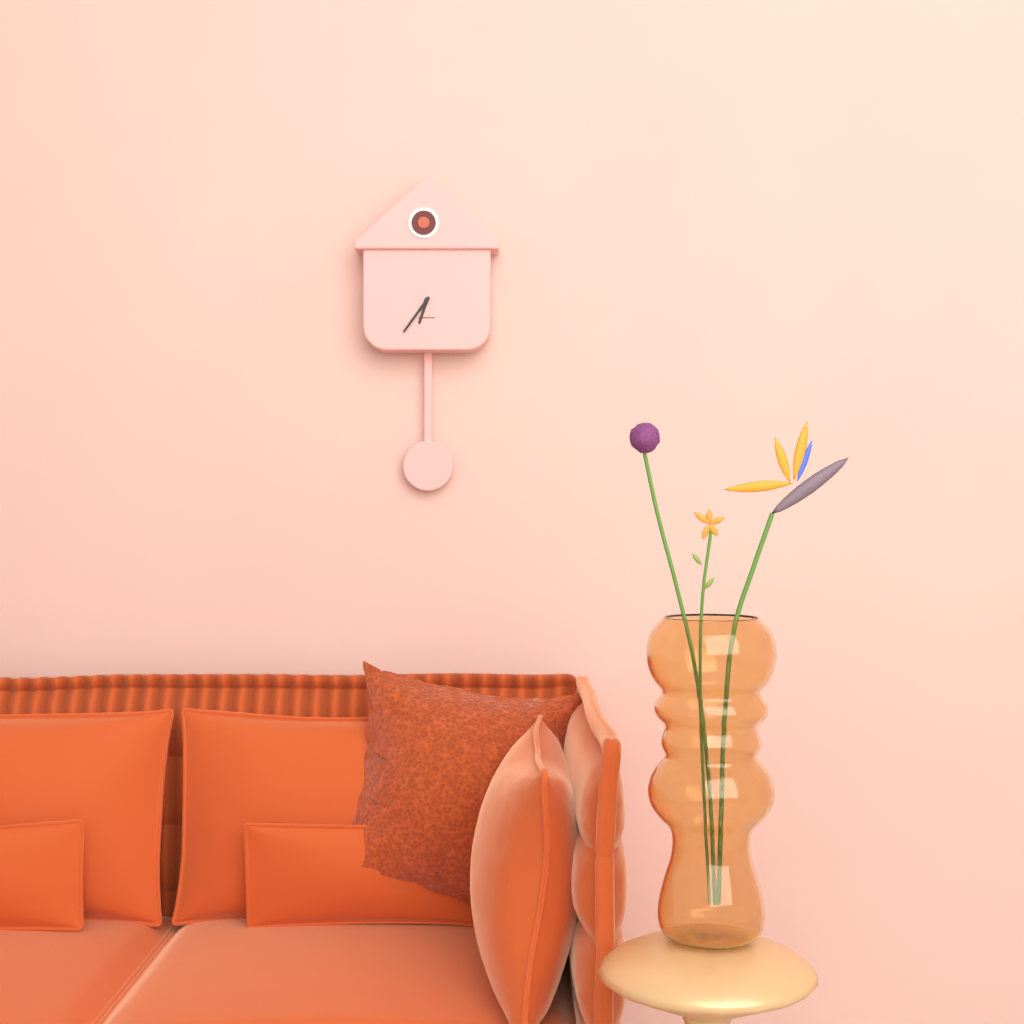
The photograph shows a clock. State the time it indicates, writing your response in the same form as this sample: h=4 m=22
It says h=6 m=36
